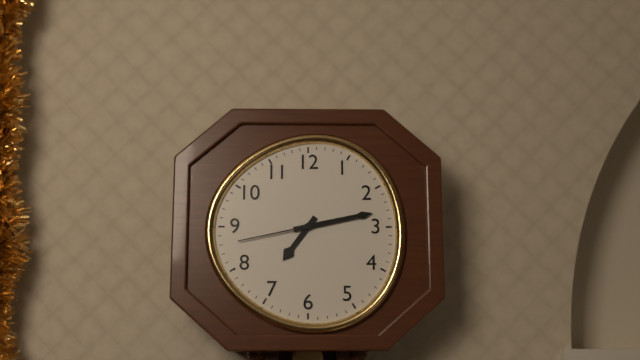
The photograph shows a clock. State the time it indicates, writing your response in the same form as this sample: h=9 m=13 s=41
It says h=7 m=13 s=43
